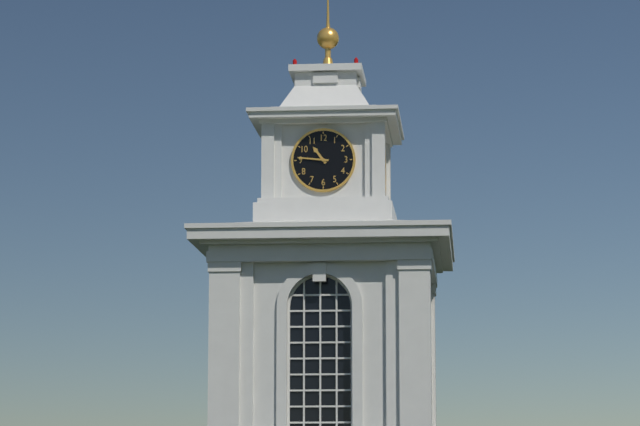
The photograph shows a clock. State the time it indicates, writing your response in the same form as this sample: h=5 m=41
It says h=10 m=46
